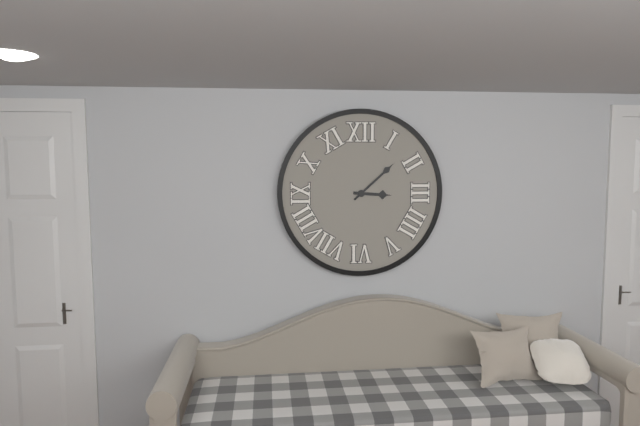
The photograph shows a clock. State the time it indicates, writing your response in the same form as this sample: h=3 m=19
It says h=3 m=8
